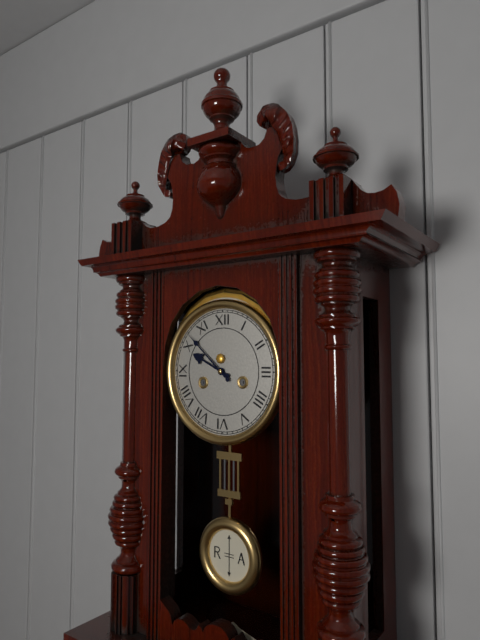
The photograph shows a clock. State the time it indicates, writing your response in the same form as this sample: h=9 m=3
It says h=9 m=52
